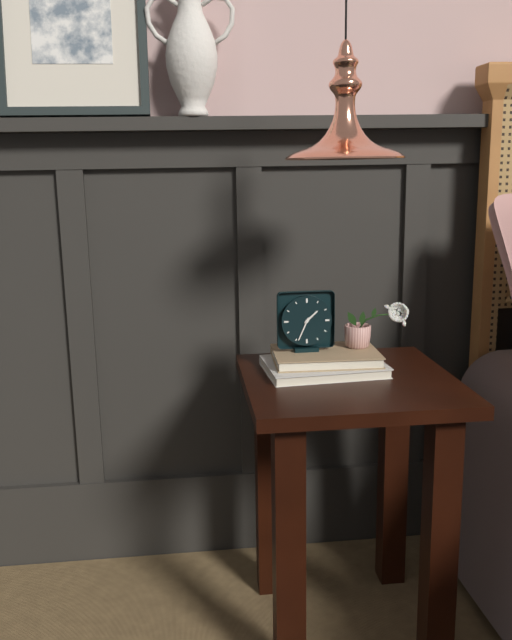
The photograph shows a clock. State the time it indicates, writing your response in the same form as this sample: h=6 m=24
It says h=1 m=34
